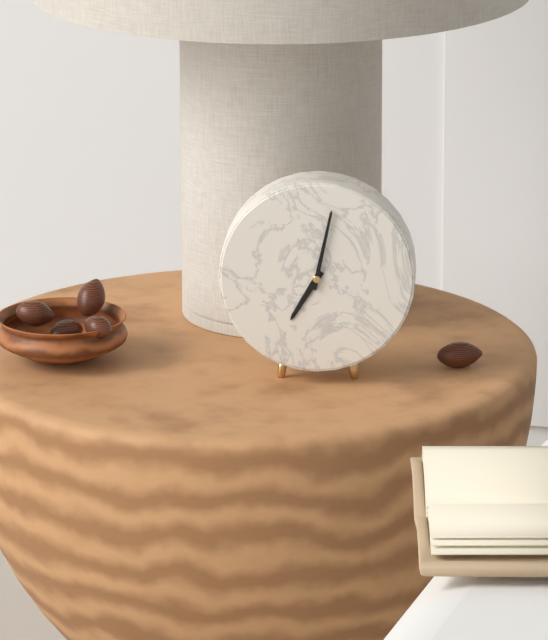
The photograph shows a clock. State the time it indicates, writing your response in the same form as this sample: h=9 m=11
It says h=7 m=2
